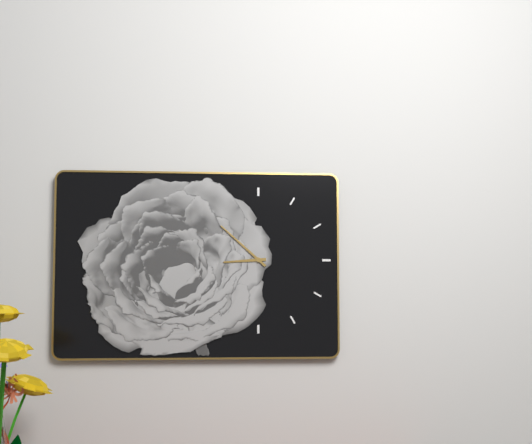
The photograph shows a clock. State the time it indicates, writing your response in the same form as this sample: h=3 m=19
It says h=8 m=52
